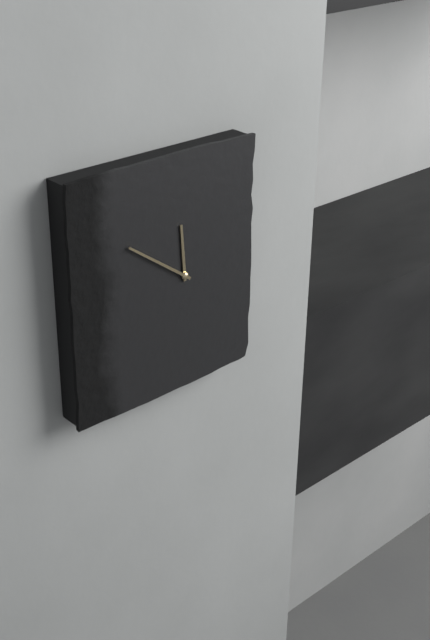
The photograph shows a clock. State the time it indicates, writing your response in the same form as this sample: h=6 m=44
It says h=11 m=51
